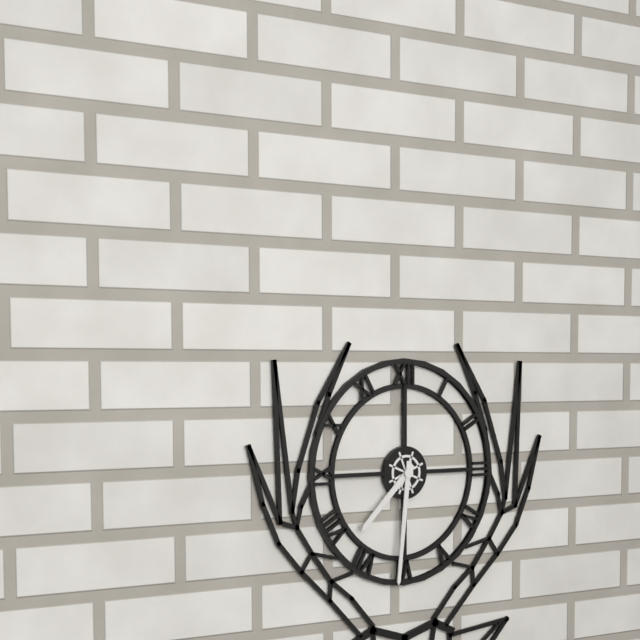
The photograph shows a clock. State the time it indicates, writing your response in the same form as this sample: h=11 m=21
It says h=7 m=31
